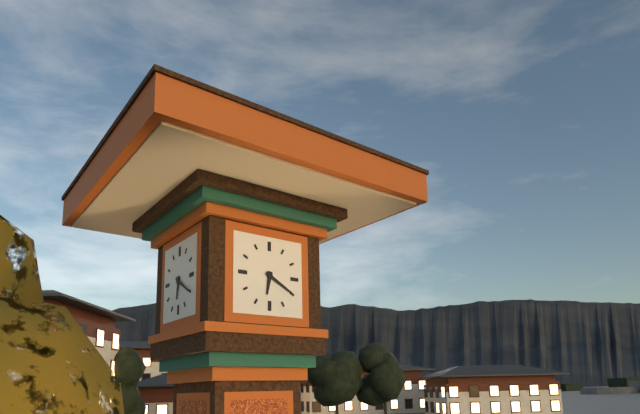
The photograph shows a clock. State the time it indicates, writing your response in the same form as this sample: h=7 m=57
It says h=6 m=20
